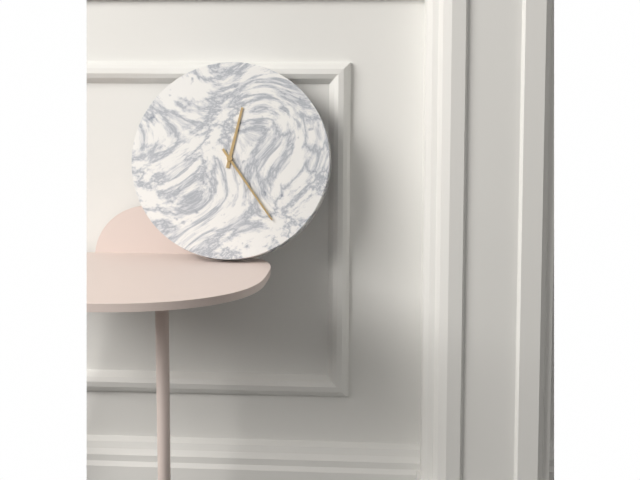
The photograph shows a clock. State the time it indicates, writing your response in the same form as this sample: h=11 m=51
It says h=12 m=24
